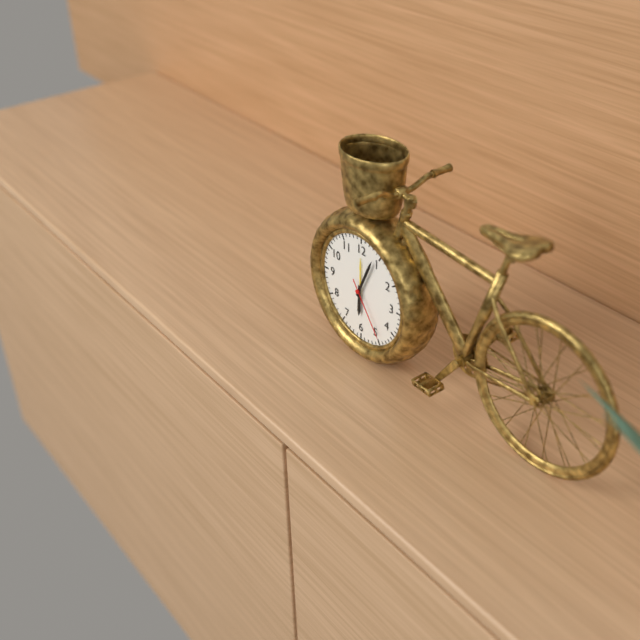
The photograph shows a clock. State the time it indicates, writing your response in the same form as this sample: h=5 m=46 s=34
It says h=6 m=4 s=24
